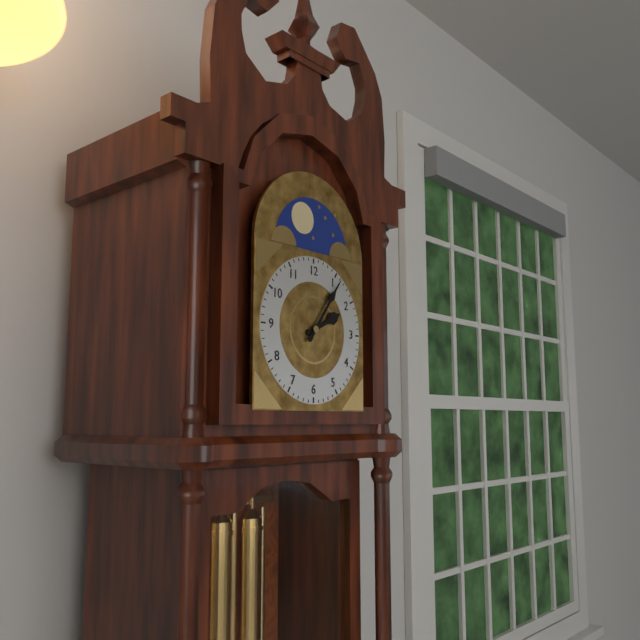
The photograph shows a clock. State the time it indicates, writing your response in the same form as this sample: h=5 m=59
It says h=2 m=6
